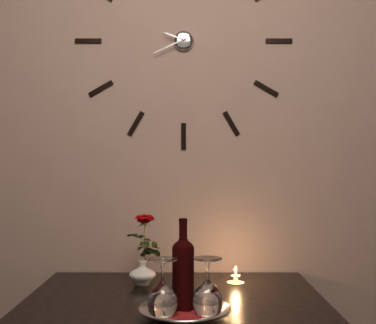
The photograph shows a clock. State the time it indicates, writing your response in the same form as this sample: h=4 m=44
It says h=9 m=41
